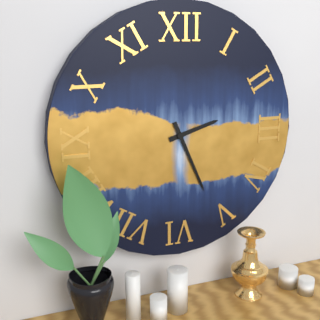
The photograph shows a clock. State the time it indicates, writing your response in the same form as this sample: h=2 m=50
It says h=2 m=26
